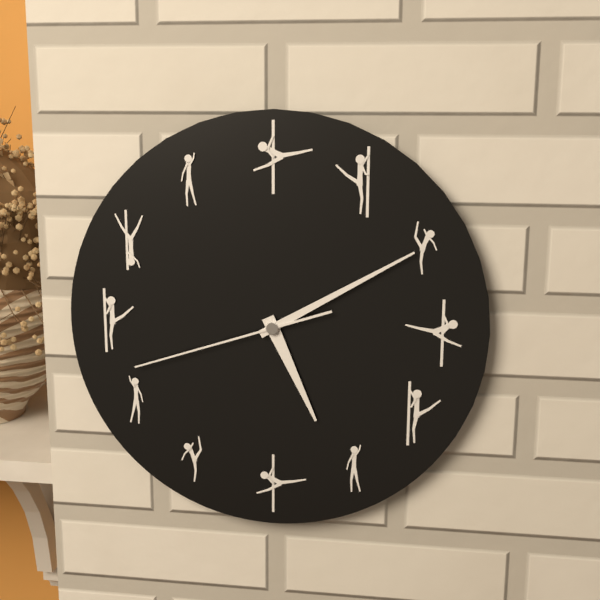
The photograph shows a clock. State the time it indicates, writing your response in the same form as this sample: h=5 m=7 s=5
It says h=5 m=10 s=42
